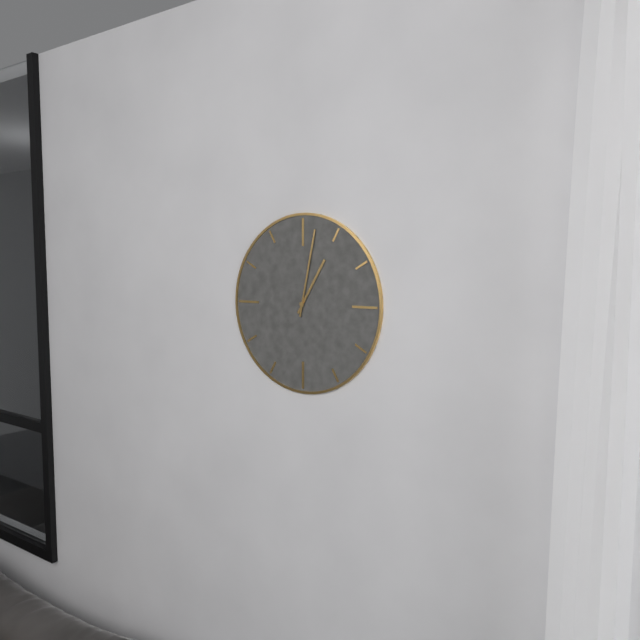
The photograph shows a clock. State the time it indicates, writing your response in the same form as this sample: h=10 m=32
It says h=1 m=2
